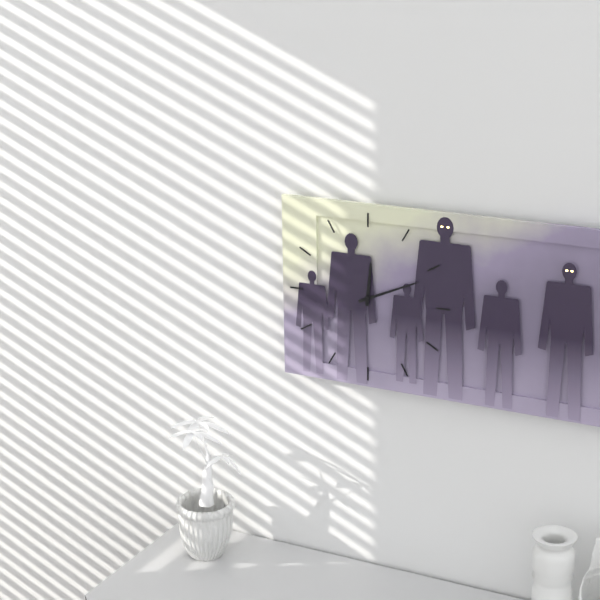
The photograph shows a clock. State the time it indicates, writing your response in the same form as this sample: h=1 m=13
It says h=12 m=11
